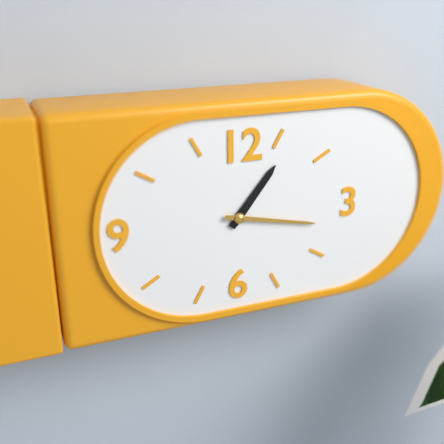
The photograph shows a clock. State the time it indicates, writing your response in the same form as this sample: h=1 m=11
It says h=1 m=17
